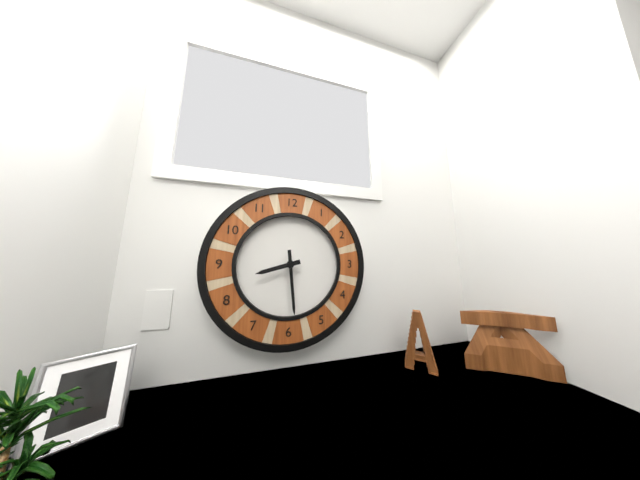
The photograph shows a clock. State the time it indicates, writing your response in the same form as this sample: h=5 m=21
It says h=8 m=29
